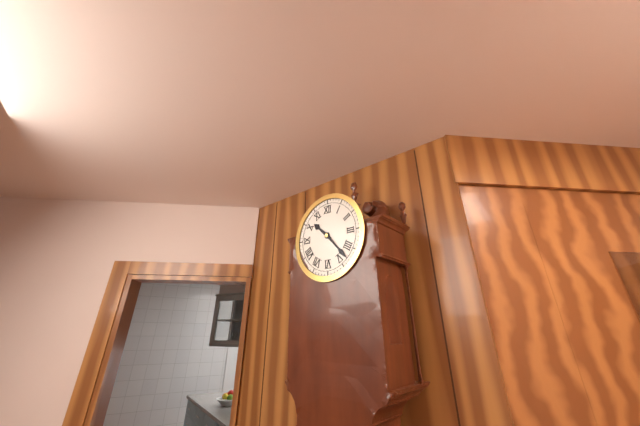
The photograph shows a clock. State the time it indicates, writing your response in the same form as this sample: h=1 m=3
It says h=10 m=23
